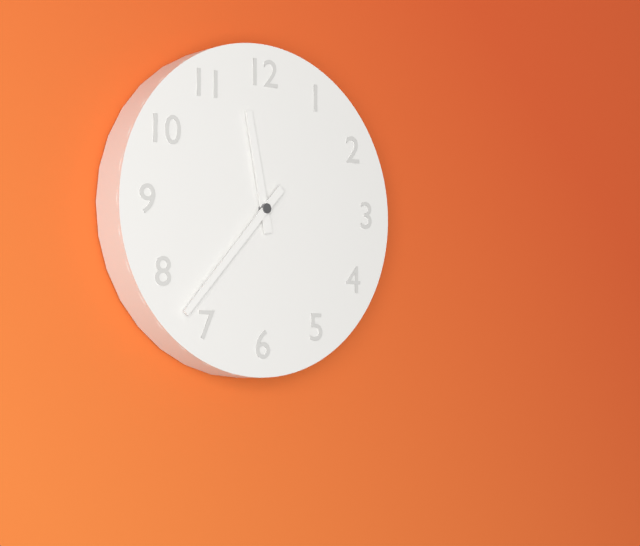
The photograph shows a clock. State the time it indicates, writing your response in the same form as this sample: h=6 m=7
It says h=11 m=37
